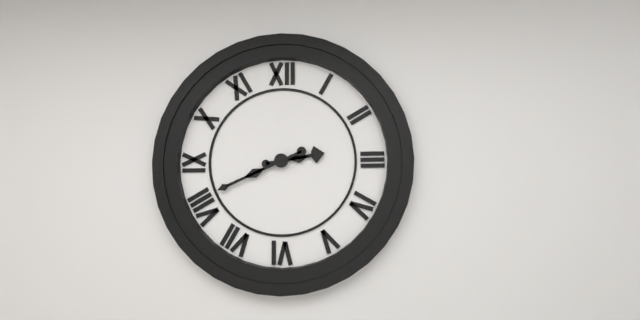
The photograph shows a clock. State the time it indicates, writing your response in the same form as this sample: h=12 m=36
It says h=2 m=41
